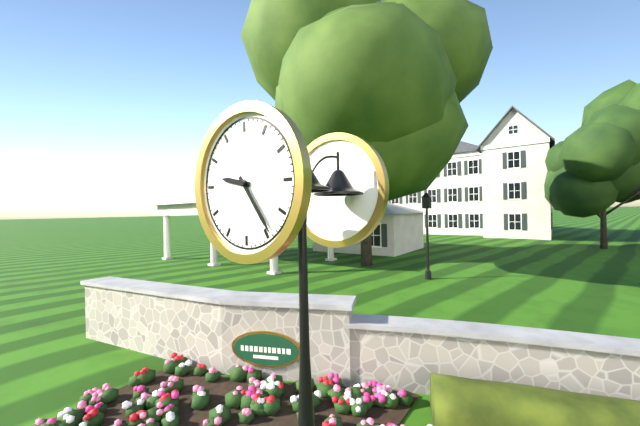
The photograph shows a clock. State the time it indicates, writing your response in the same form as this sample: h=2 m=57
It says h=9 m=24
